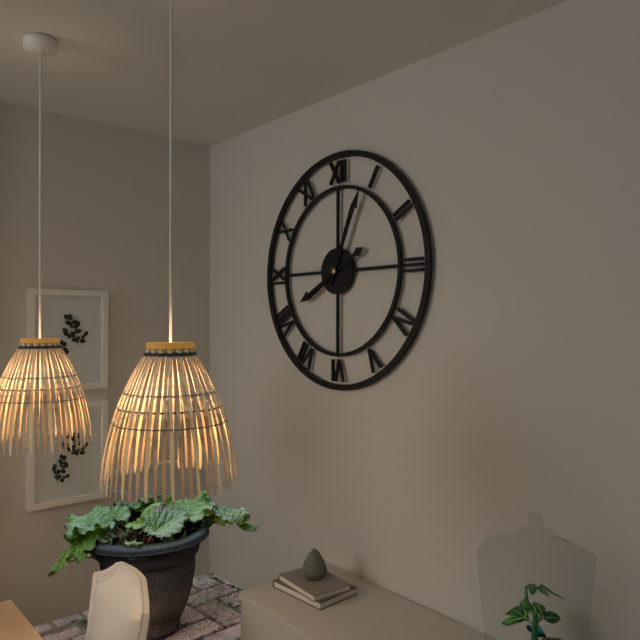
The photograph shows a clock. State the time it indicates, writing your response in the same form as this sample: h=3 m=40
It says h=8 m=4
